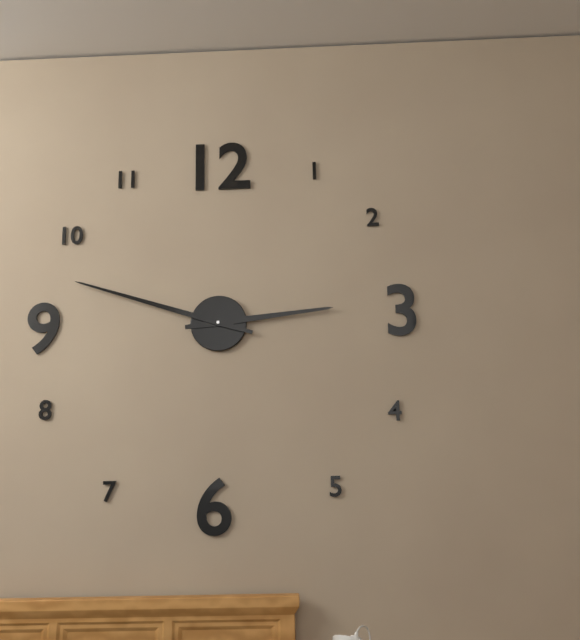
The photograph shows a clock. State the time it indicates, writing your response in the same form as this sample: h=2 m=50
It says h=2 m=48
